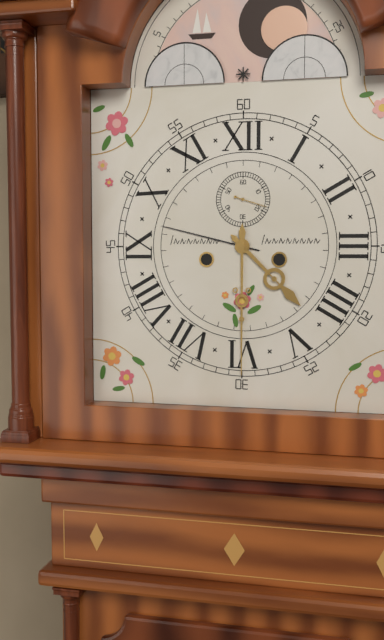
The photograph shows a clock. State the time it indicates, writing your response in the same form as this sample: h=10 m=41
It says h=4 m=30
